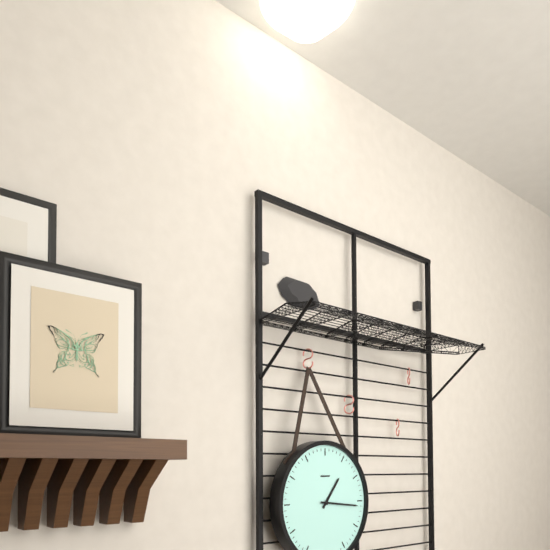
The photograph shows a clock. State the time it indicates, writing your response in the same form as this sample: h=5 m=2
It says h=1 m=16
